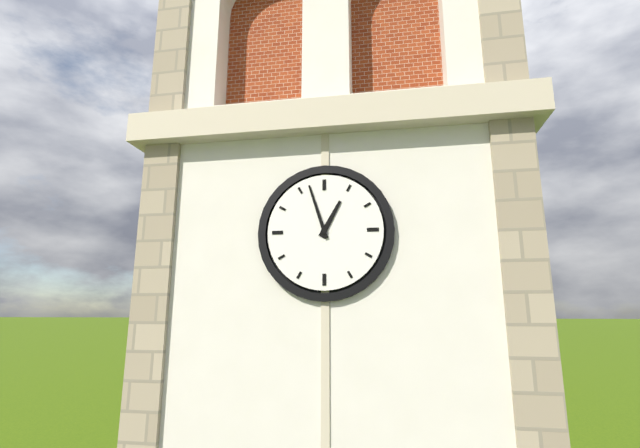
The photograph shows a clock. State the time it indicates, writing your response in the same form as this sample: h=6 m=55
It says h=12 m=57
